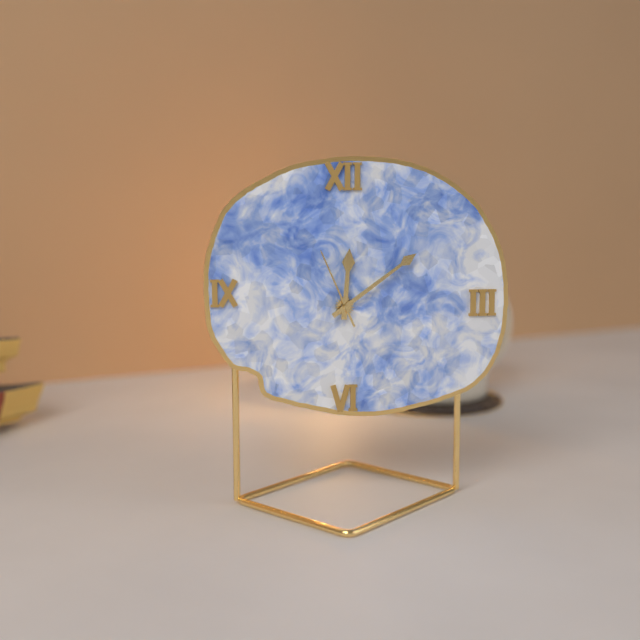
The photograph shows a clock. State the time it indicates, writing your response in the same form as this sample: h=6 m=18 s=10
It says h=12 m=9 s=56
